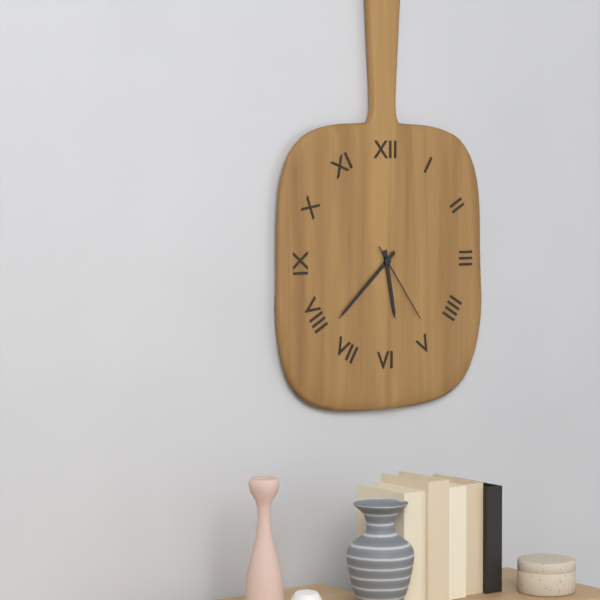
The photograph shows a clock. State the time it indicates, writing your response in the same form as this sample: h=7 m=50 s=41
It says h=5 m=38 s=24
